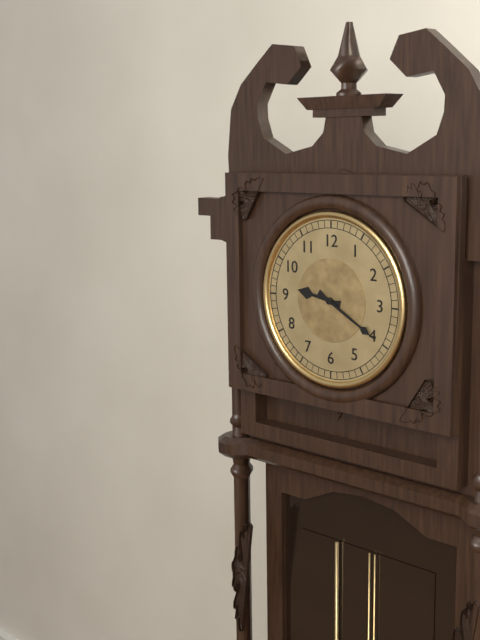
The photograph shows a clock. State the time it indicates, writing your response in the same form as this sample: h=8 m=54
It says h=9 m=20
